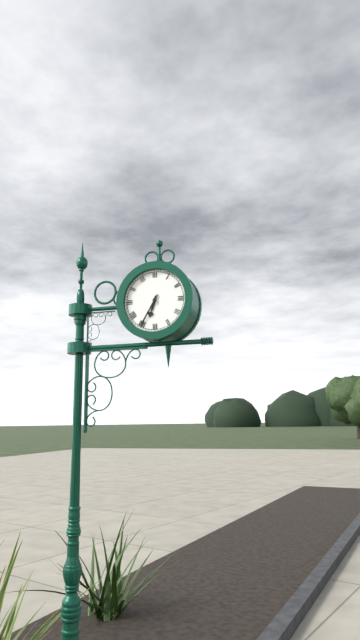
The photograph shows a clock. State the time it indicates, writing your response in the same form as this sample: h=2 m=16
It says h=6 m=35
